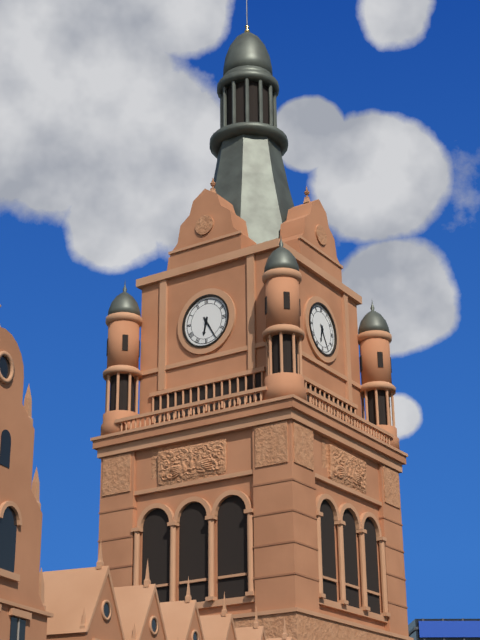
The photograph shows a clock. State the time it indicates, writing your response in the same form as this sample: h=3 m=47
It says h=6 m=25
